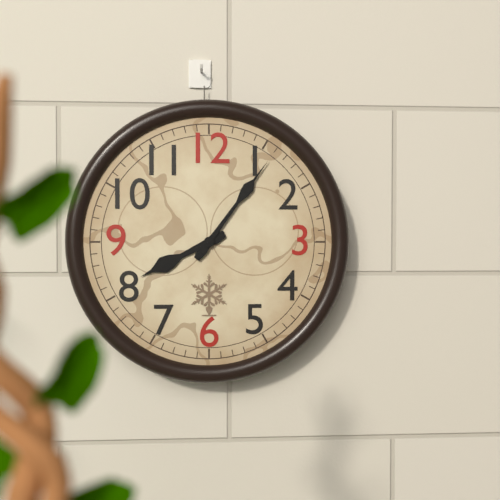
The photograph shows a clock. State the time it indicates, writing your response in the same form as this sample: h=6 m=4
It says h=8 m=6
